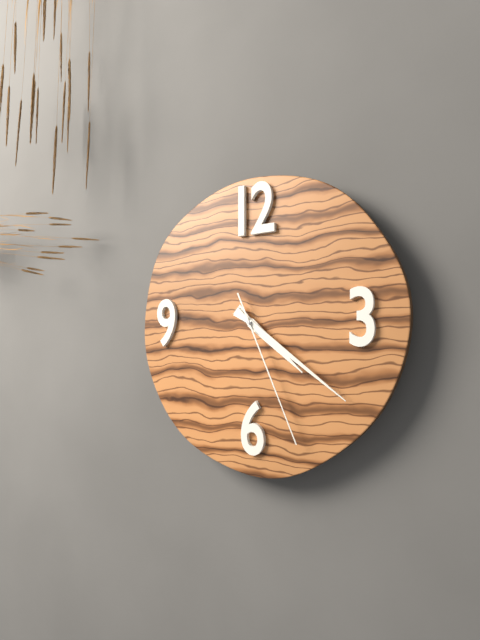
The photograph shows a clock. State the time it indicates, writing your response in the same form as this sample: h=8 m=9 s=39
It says h=4 m=21 s=26
